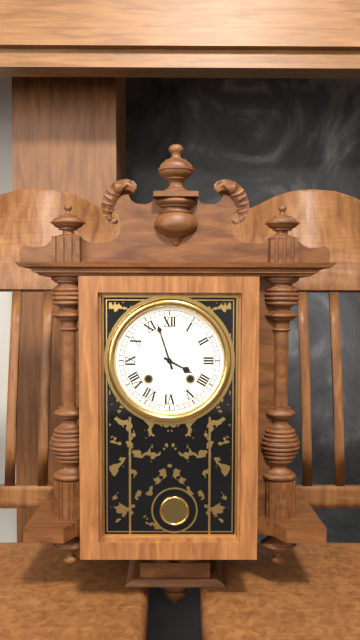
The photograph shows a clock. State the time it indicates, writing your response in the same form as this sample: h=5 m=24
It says h=3 m=57
